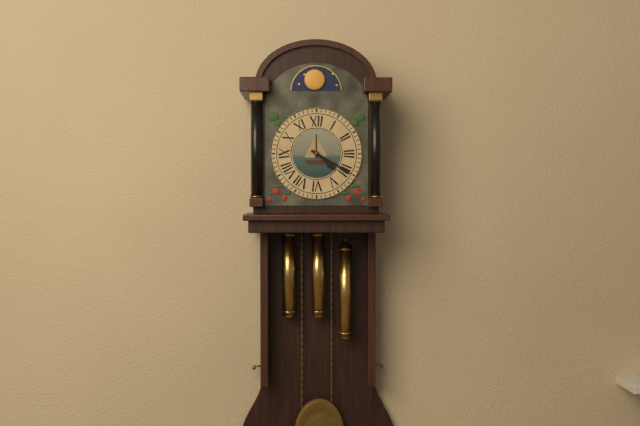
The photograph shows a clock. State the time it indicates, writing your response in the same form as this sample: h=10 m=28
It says h=4 m=20
